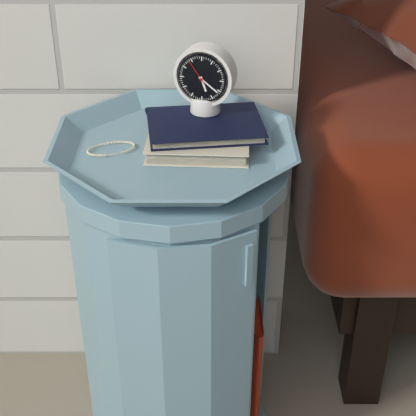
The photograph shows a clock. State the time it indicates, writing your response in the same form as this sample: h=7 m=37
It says h=5 m=21
